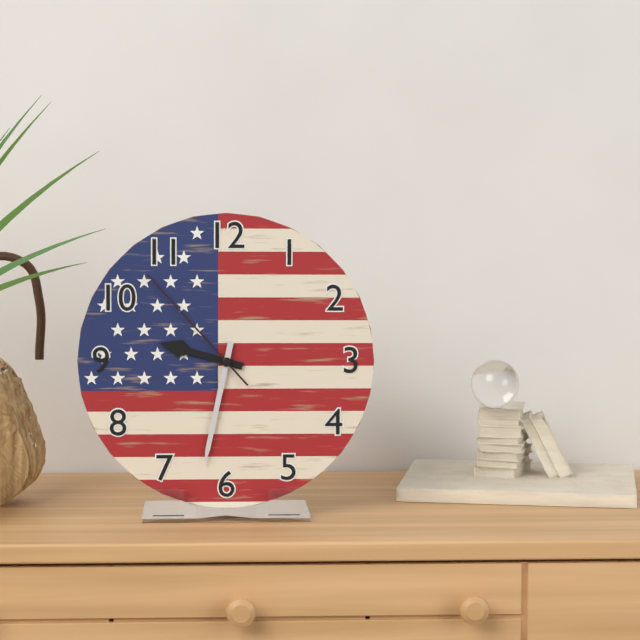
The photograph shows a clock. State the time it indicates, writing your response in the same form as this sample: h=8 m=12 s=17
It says h=9 m=32 s=53
